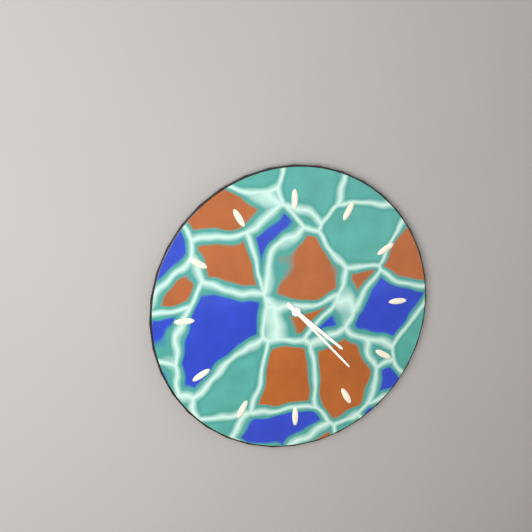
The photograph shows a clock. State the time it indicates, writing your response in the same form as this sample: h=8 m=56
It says h=4 m=23
